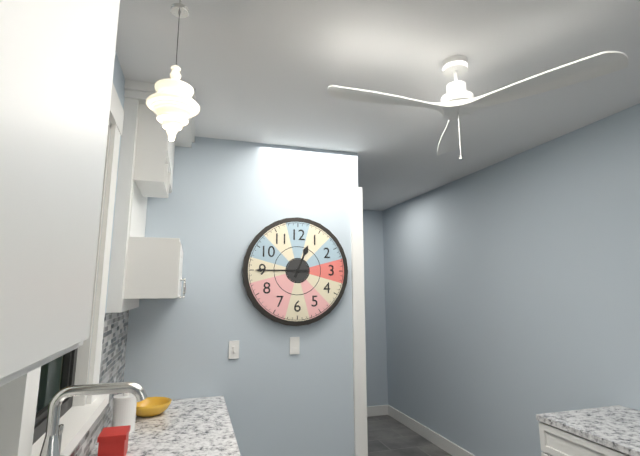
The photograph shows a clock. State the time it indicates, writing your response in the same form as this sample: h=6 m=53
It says h=12 m=45
